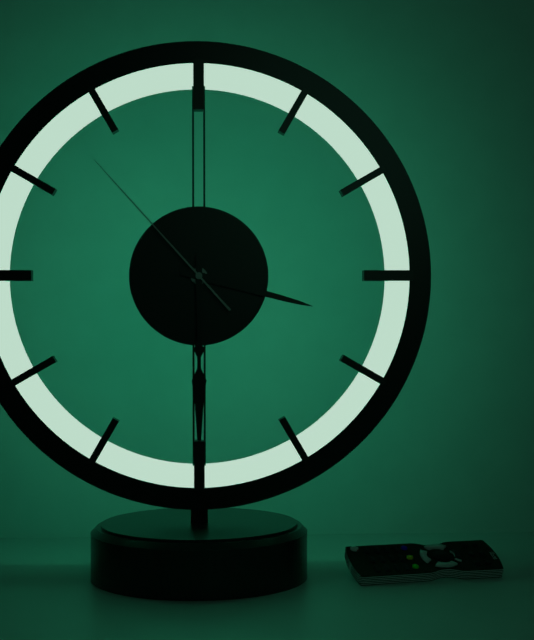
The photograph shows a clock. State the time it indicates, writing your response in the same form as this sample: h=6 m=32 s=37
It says h=3 m=30 s=53
